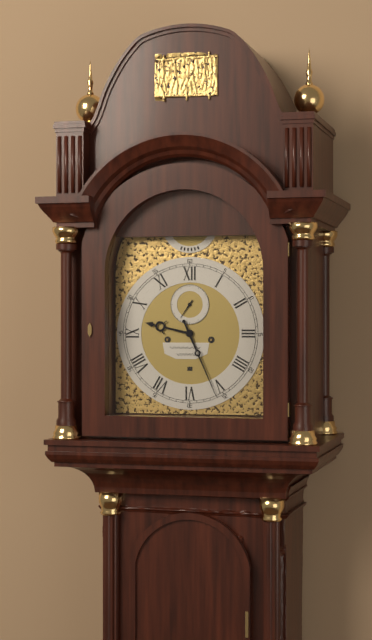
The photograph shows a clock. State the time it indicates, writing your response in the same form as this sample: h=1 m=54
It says h=9 m=26
